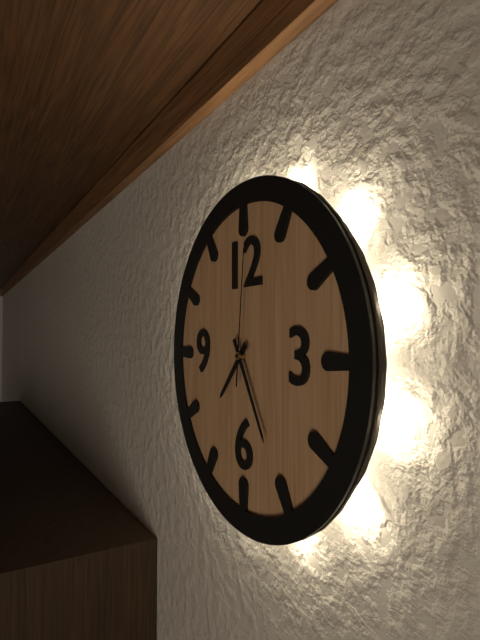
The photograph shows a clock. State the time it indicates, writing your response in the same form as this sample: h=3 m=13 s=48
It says h=7 m=25 s=1
